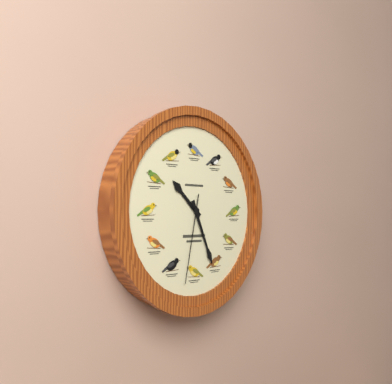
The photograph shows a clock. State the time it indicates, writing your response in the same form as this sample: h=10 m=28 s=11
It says h=10 m=26 s=32
